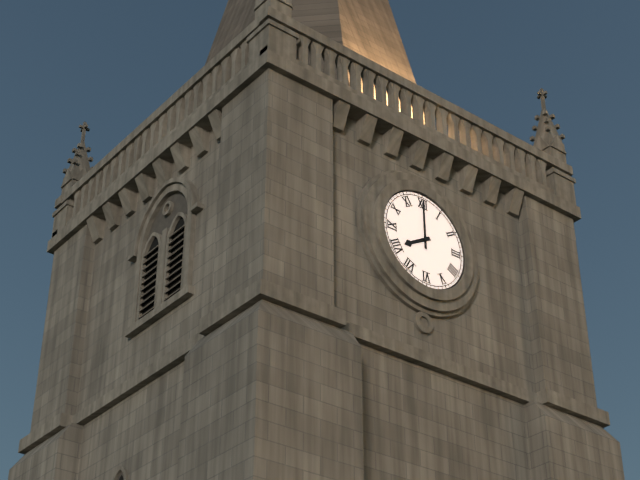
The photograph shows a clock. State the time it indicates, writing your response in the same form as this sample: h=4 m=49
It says h=8 m=0
